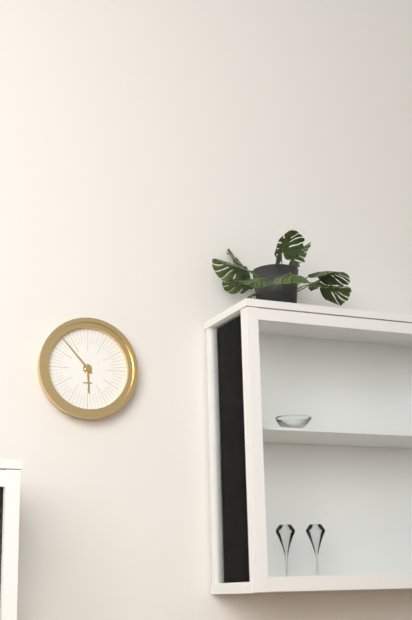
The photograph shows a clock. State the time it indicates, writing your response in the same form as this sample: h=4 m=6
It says h=5 m=53
